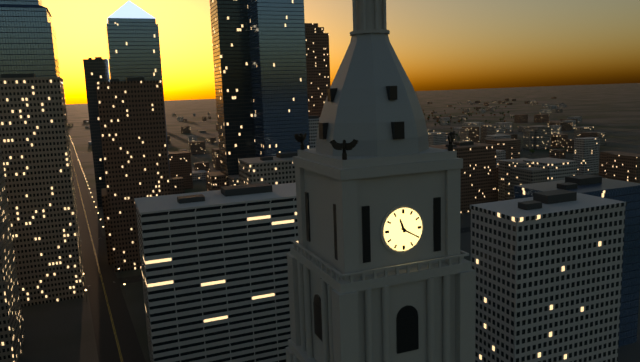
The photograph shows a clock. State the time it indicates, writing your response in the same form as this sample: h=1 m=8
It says h=11 m=20
